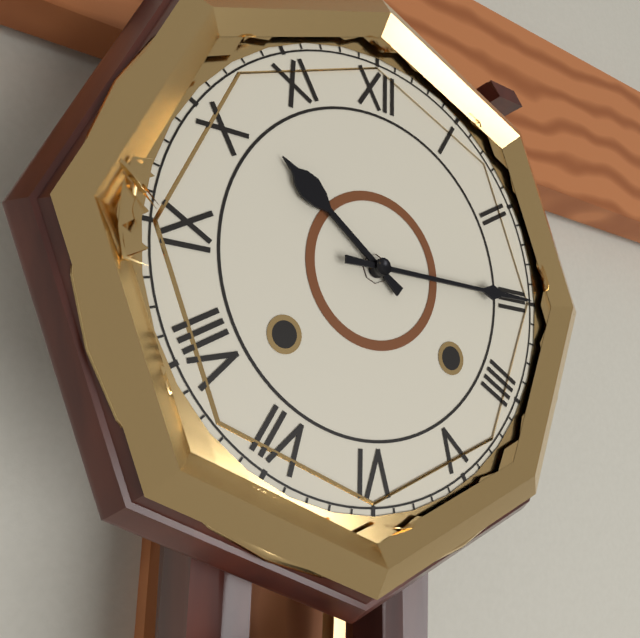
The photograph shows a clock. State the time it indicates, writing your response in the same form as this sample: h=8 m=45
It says h=10 m=15
